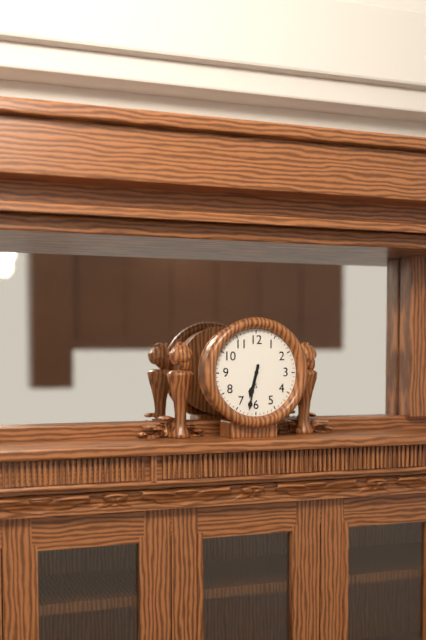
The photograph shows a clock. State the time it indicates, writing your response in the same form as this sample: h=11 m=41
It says h=6 m=32
